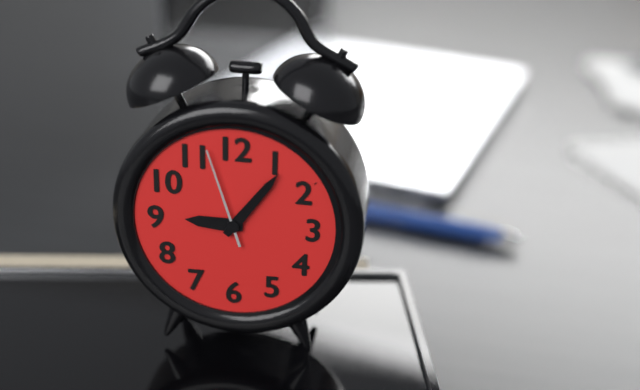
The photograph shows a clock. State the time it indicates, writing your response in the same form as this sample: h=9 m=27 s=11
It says h=9 m=6 s=57
